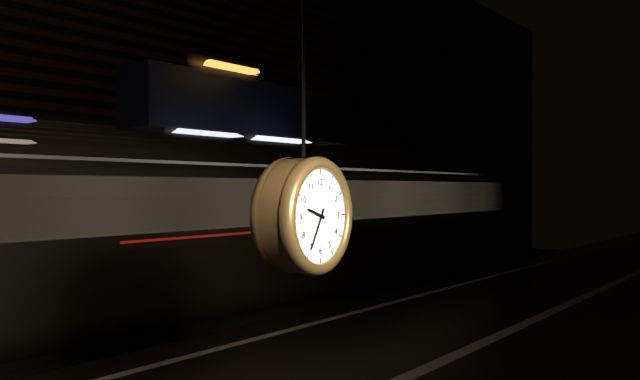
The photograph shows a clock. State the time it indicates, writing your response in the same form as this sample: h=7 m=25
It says h=9 m=35
